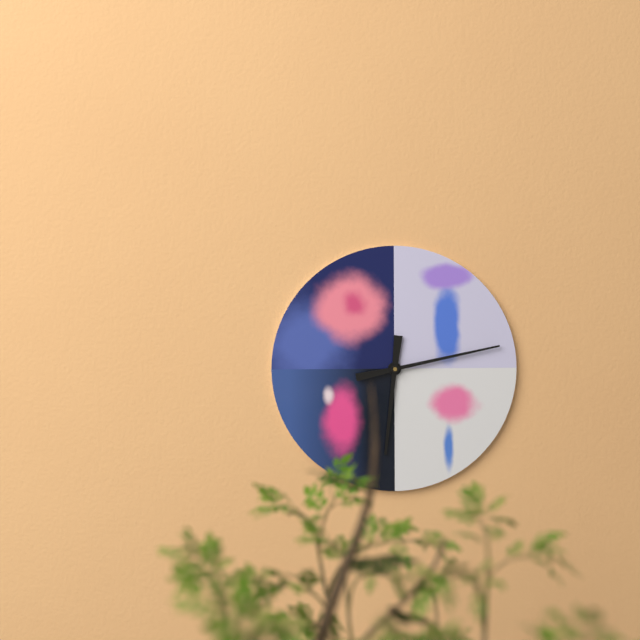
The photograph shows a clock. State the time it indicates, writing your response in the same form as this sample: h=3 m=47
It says h=6 m=13
